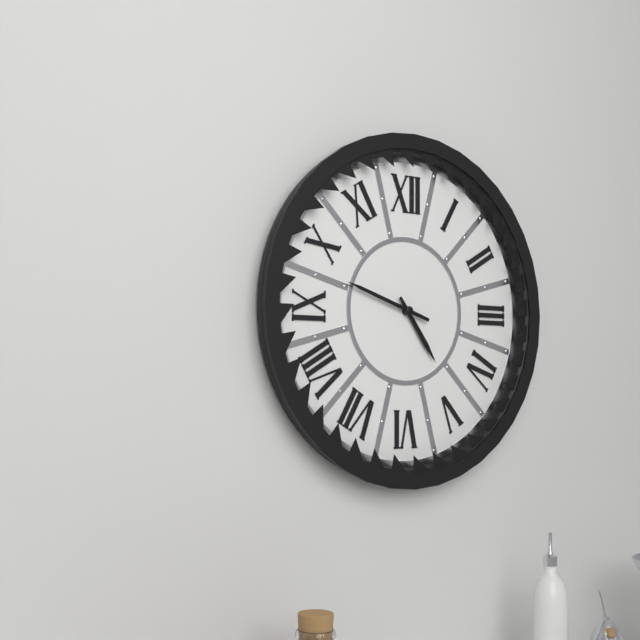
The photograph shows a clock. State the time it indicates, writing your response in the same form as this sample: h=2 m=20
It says h=4 m=48
